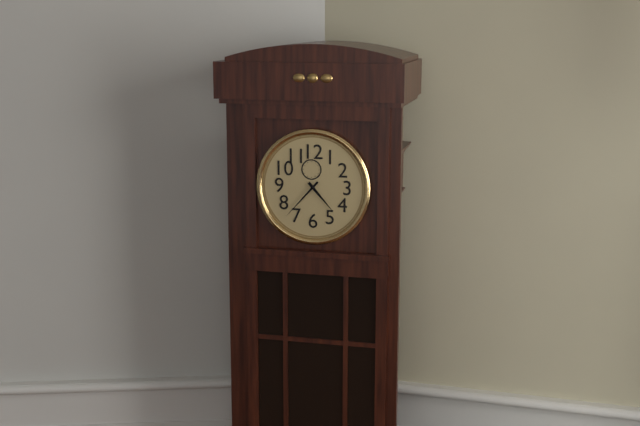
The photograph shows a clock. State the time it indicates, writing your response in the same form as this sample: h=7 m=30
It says h=4 m=37
